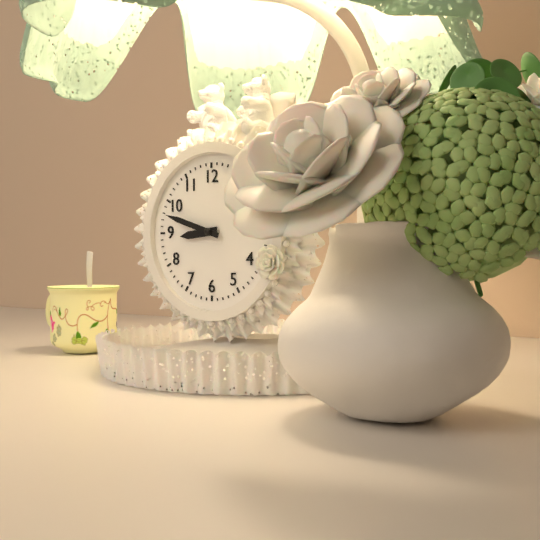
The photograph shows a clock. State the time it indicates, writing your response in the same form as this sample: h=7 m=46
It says h=8 m=48
